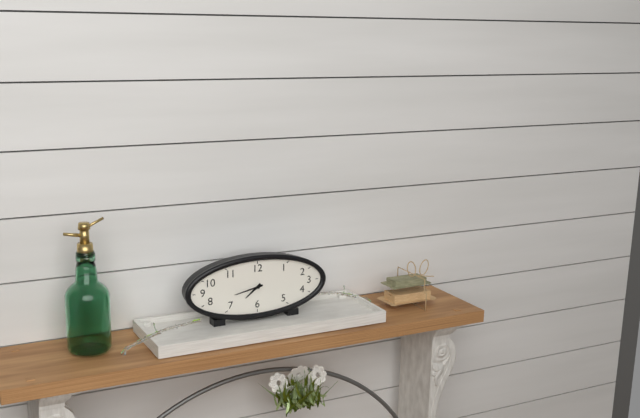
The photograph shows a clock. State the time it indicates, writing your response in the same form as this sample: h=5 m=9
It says h=7 m=43
